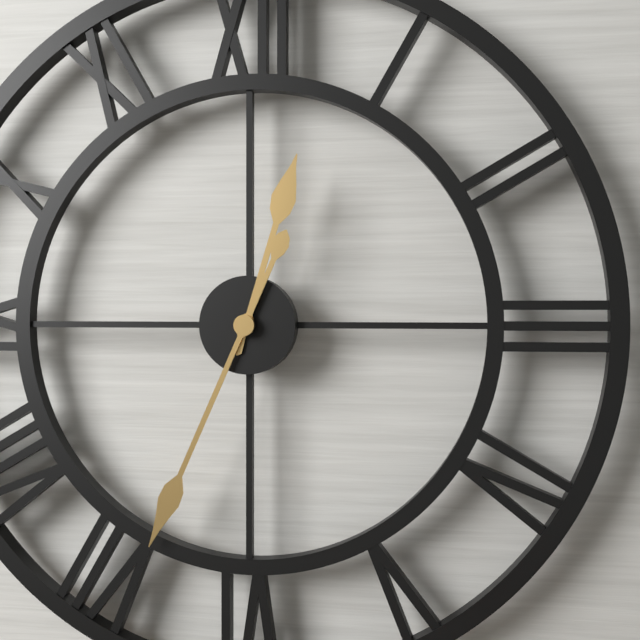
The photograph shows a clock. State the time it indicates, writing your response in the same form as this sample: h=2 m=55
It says h=12 m=34
